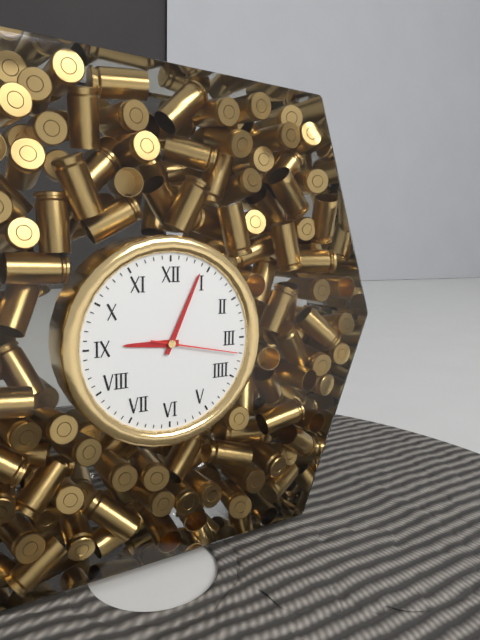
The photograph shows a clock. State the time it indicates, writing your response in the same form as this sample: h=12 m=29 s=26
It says h=9 m=4 s=17
